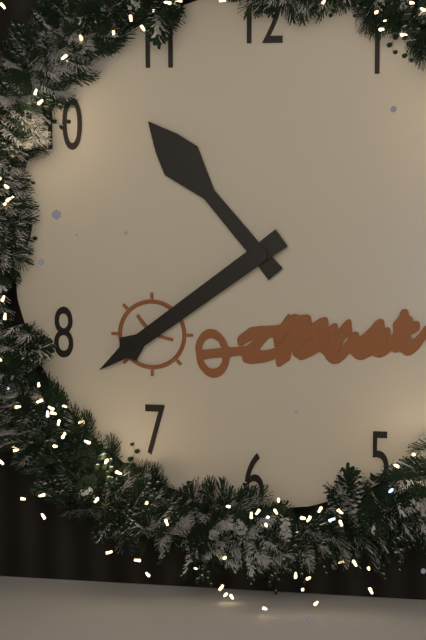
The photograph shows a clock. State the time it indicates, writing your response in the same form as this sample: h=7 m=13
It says h=10 m=39
